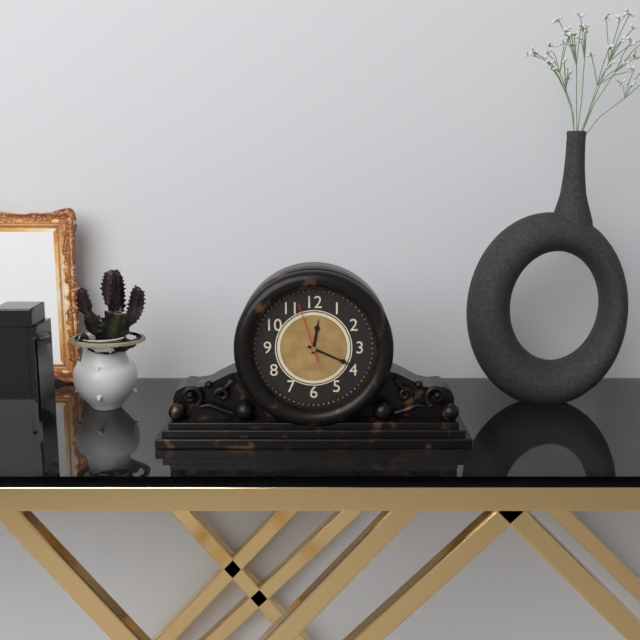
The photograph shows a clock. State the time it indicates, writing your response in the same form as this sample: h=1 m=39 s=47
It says h=12 m=19 s=57
